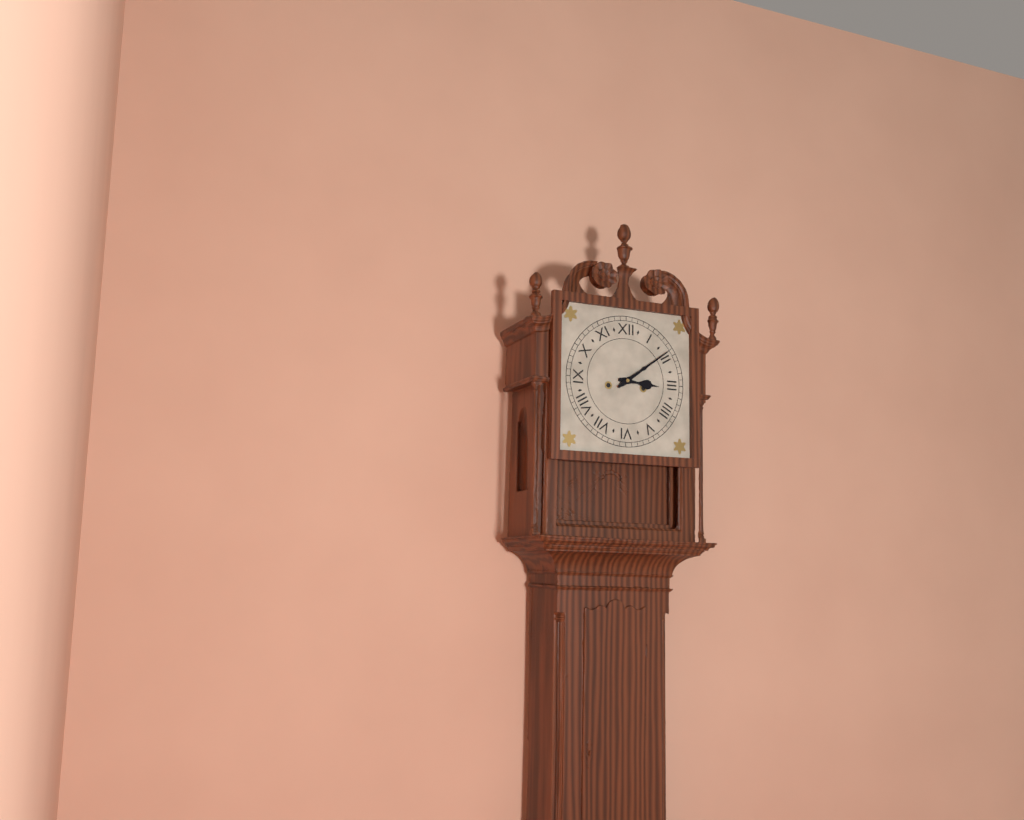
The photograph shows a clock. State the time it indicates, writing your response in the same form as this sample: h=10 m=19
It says h=3 m=9
